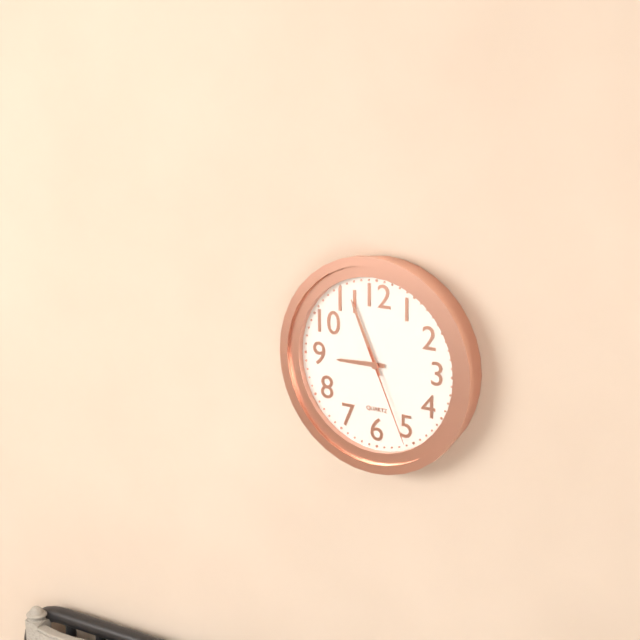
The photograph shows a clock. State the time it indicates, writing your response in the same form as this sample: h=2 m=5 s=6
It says h=8 m=56 s=26
